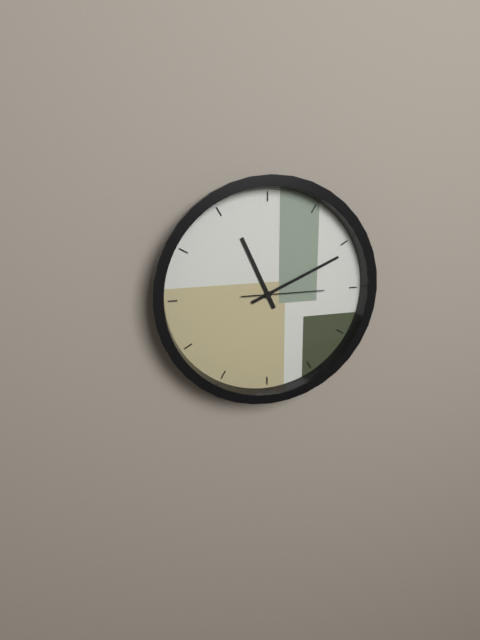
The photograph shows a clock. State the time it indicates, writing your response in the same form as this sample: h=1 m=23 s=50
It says h=11 m=11 s=15
